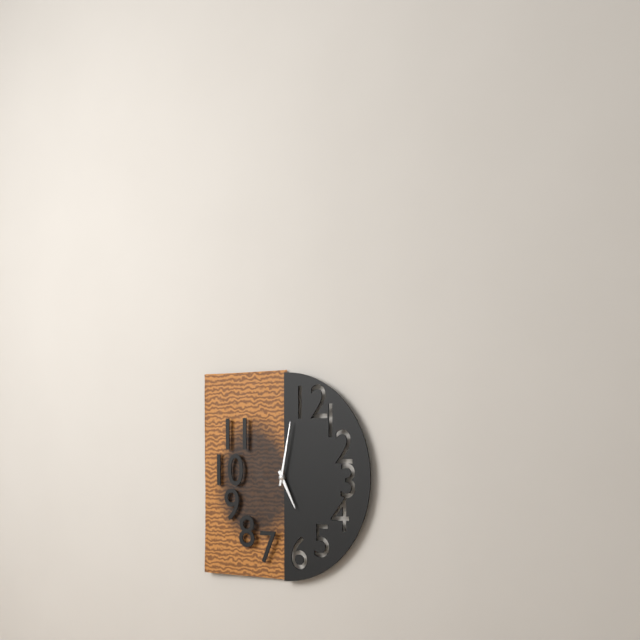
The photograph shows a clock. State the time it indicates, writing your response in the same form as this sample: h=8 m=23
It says h=5 m=2
